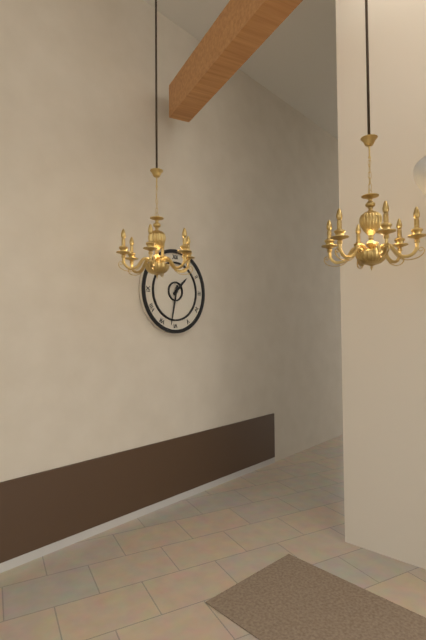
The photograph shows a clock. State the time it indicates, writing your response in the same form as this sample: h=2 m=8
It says h=1 m=32
